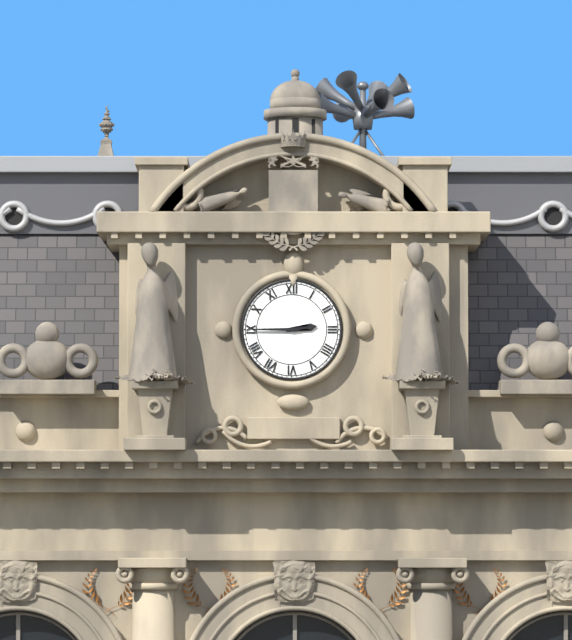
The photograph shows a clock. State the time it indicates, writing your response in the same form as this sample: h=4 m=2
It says h=2 m=45
